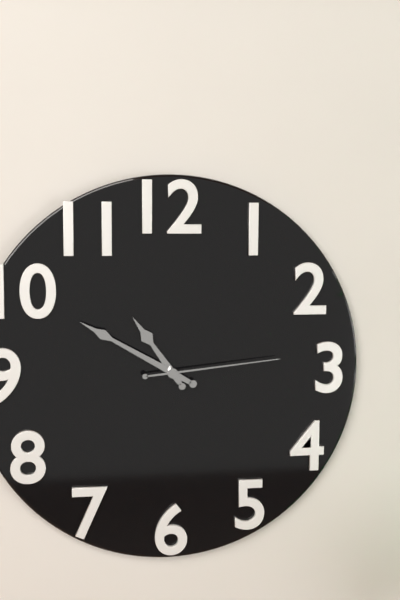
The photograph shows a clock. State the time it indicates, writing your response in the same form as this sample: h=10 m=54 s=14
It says h=10 m=50 s=14
